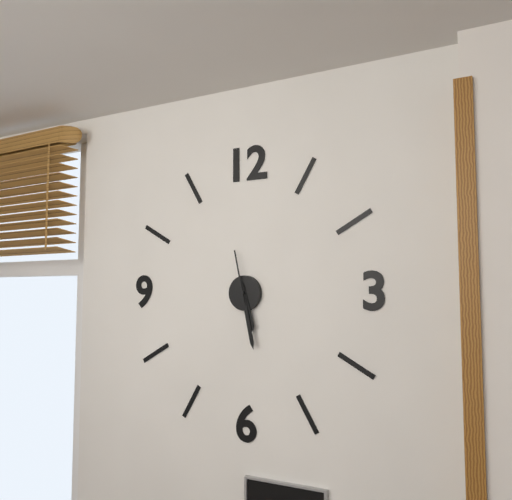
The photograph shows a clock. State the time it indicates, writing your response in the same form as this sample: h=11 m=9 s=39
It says h=5 m=28 s=58
